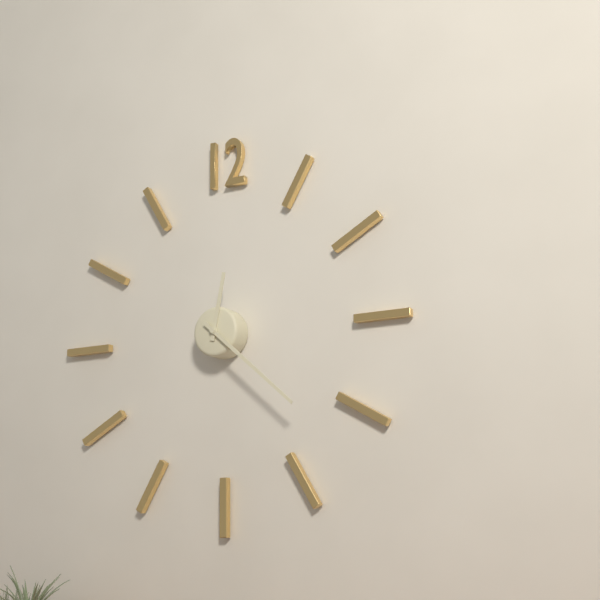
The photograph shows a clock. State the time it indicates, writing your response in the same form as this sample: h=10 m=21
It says h=12 m=22
